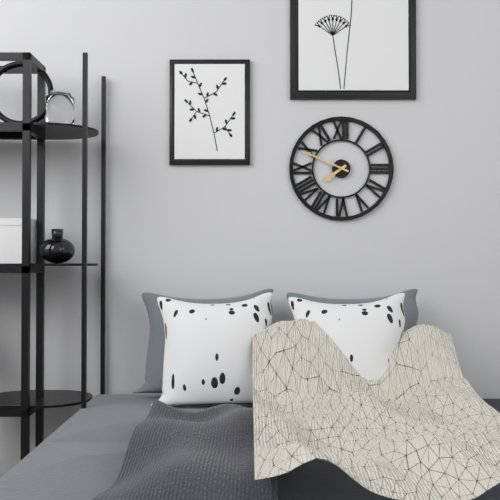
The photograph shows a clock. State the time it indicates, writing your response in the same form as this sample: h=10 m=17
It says h=7 m=49
